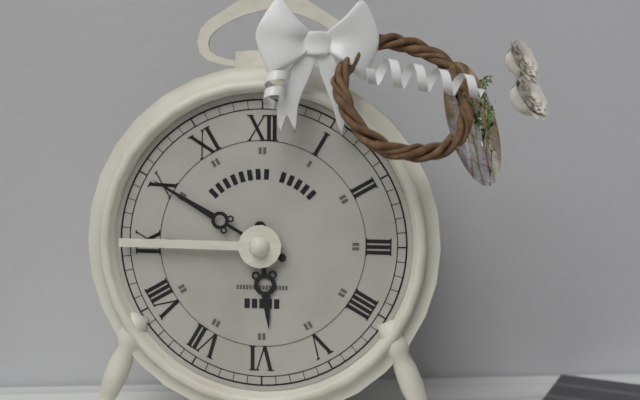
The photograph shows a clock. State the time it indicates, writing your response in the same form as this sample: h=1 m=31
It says h=5 m=50
